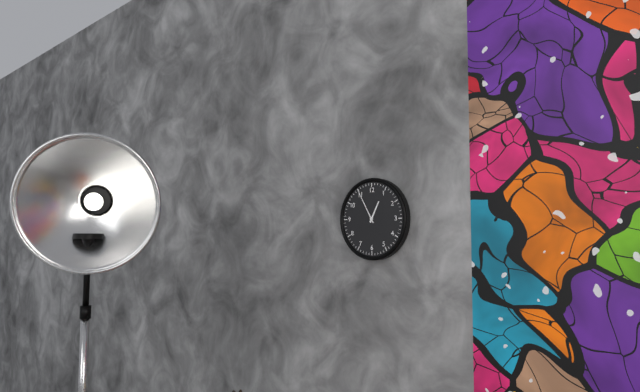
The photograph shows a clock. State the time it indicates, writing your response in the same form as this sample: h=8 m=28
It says h=12 m=55
